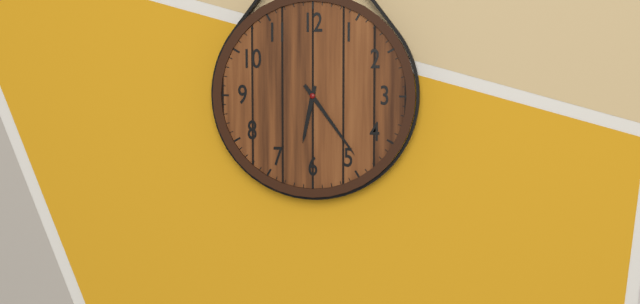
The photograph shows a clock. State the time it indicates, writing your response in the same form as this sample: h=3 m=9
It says h=6 m=24
